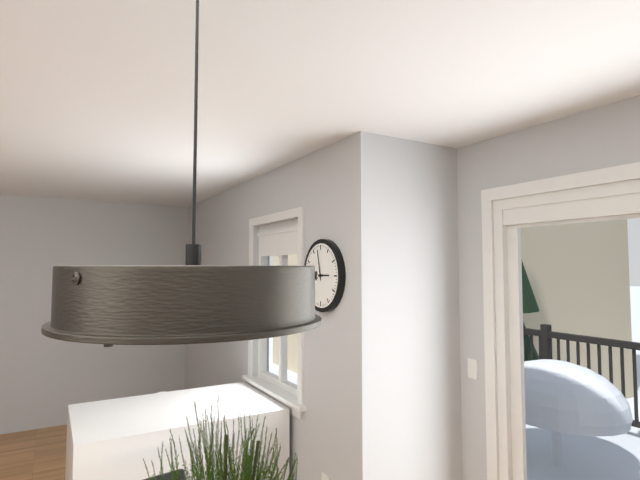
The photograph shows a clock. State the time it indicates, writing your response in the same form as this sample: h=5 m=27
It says h=2 m=58
